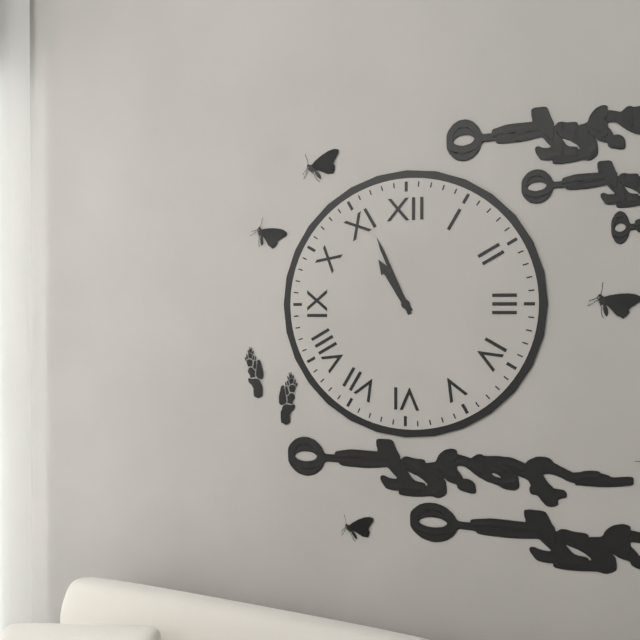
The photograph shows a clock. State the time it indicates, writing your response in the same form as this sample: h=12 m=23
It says h=10 m=56
